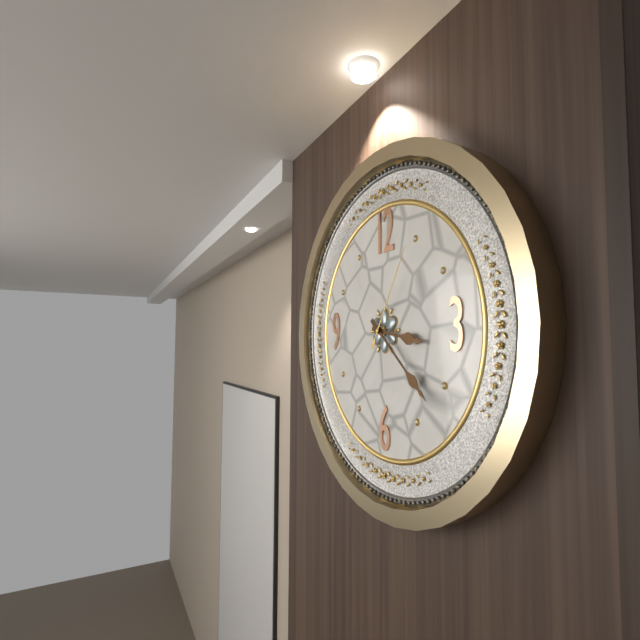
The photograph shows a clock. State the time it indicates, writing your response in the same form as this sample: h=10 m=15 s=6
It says h=3 m=22 s=5
